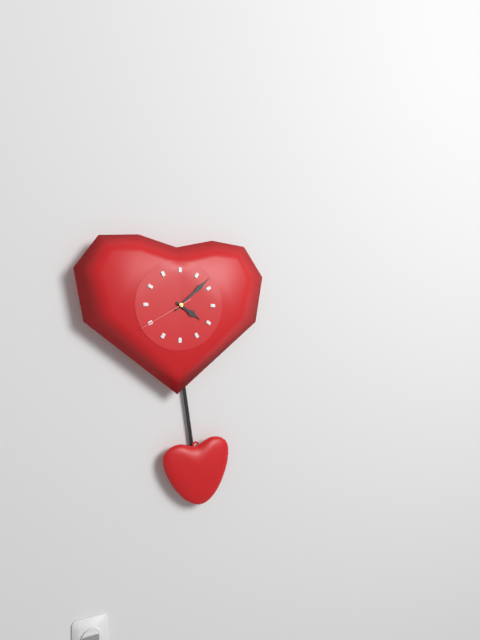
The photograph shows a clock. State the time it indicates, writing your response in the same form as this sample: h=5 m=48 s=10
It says h=4 m=8 s=40
